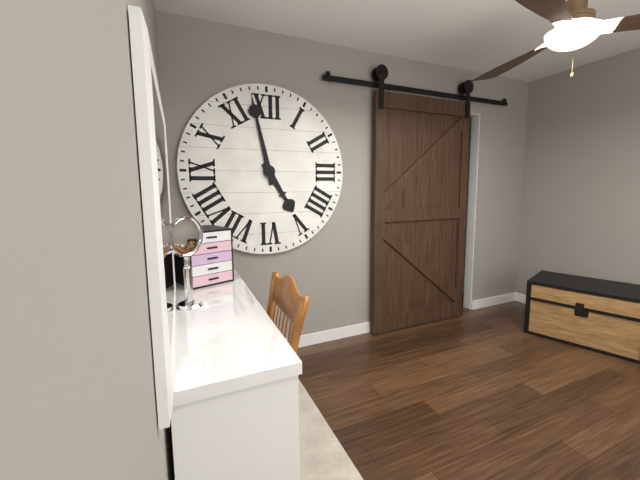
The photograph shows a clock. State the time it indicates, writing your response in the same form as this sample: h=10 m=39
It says h=4 m=58
